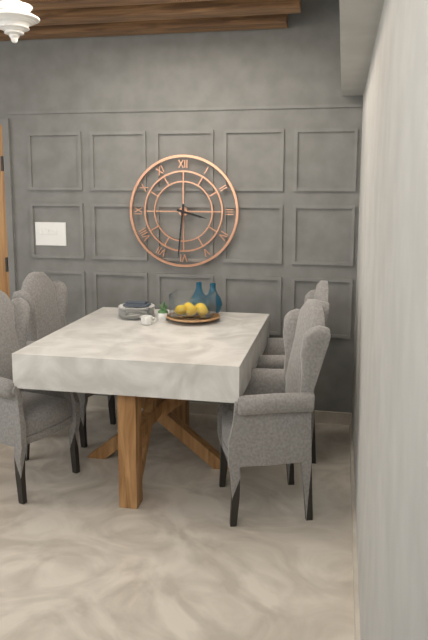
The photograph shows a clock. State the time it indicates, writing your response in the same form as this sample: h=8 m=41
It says h=3 m=31
